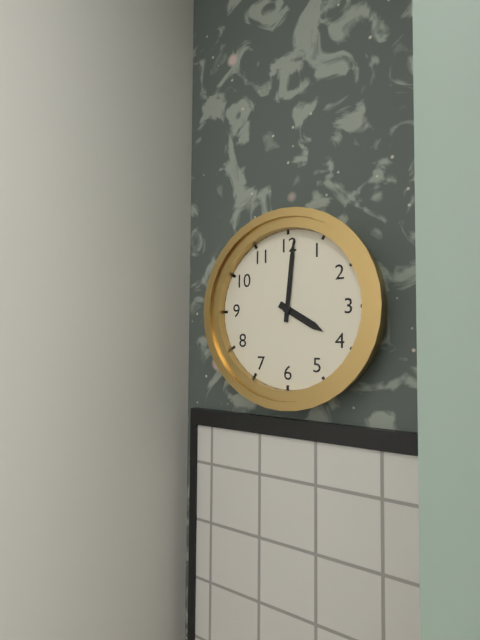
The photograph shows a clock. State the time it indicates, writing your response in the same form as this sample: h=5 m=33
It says h=4 m=1
